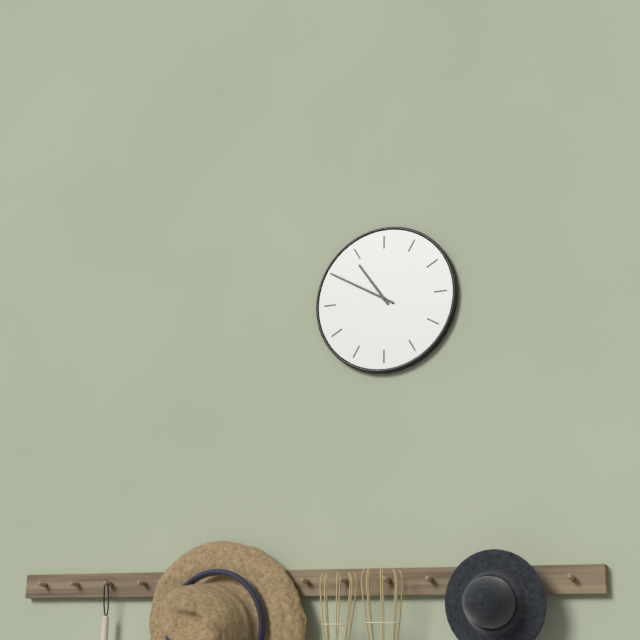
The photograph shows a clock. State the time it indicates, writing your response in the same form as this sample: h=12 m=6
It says h=10 m=50
